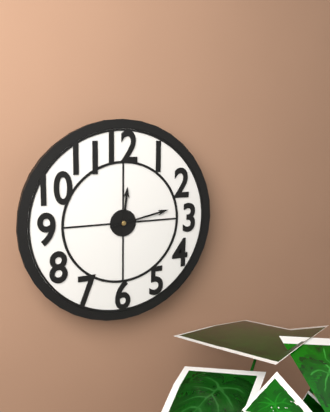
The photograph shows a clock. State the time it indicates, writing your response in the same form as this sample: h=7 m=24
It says h=12 m=13
